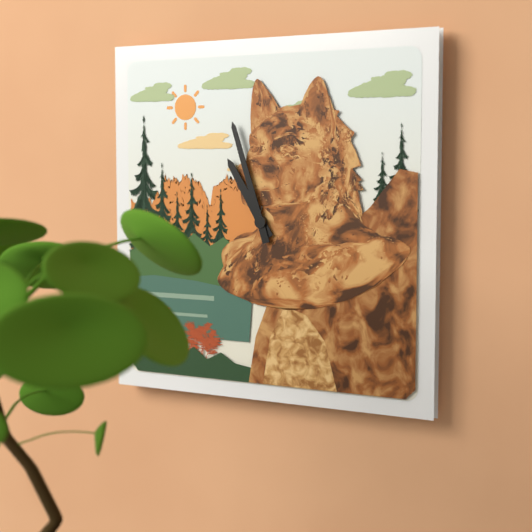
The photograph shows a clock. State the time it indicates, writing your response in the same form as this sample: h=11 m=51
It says h=10 m=57
